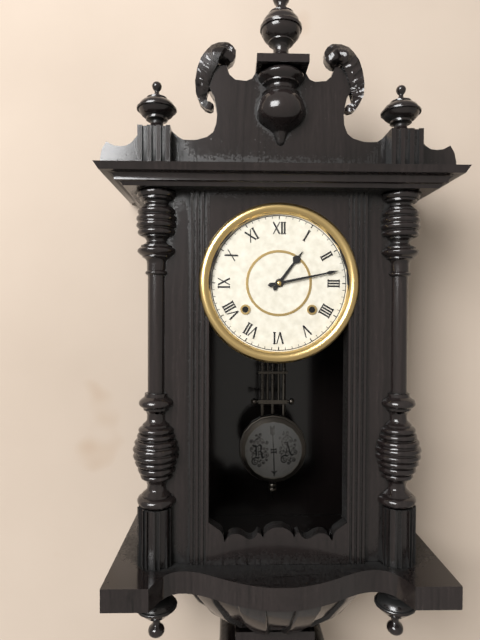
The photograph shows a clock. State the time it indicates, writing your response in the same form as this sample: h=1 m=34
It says h=1 m=13
